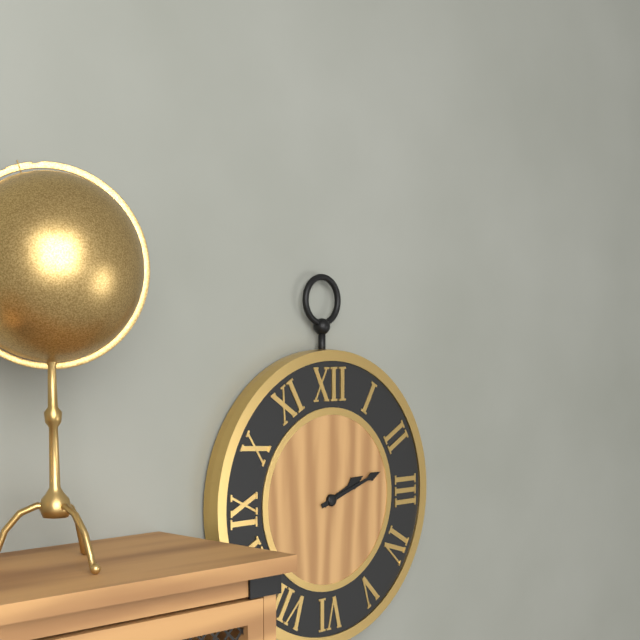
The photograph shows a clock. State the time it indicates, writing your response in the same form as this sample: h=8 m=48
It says h=2 m=12
